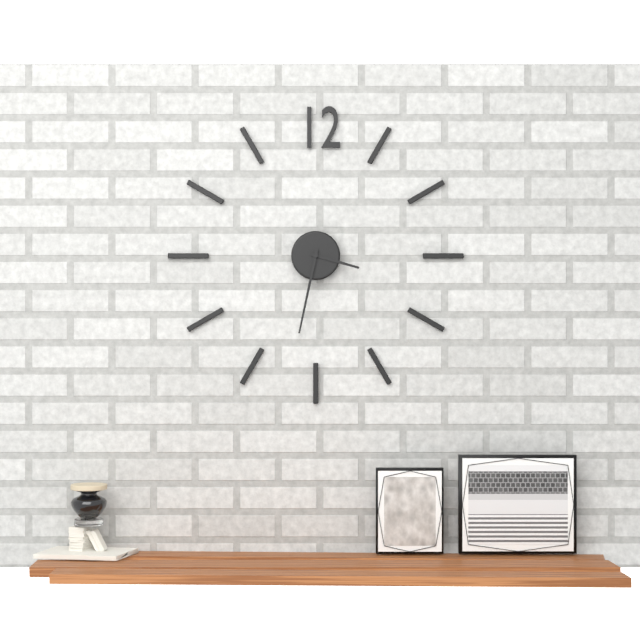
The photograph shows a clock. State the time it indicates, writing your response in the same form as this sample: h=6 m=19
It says h=3 m=32
